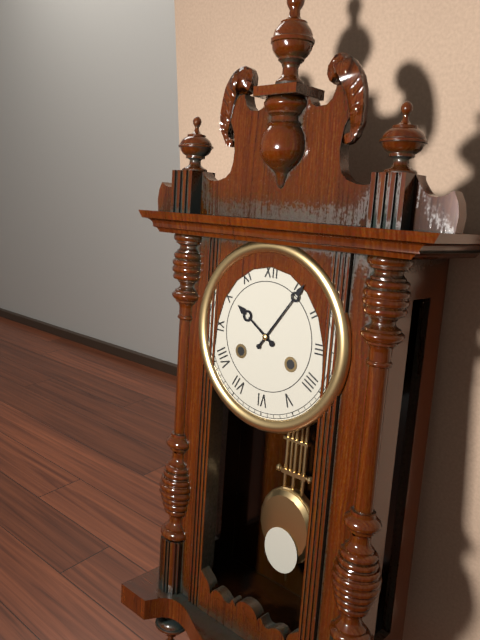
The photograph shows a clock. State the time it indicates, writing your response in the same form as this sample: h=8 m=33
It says h=10 m=6
